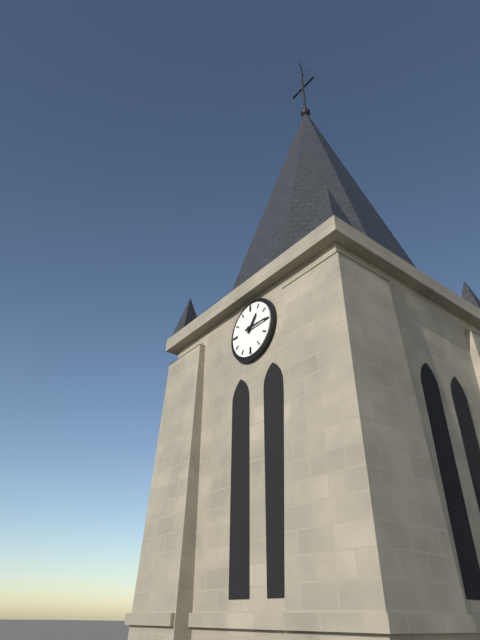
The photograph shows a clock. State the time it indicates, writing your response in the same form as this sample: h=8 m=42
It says h=1 m=15
